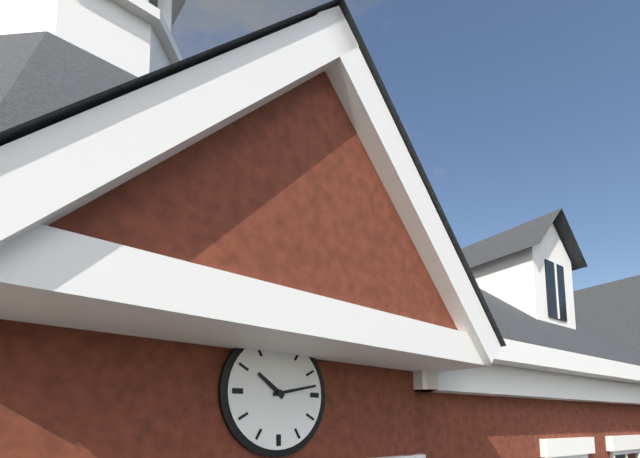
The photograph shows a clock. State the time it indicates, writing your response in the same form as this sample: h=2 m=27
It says h=10 m=13
